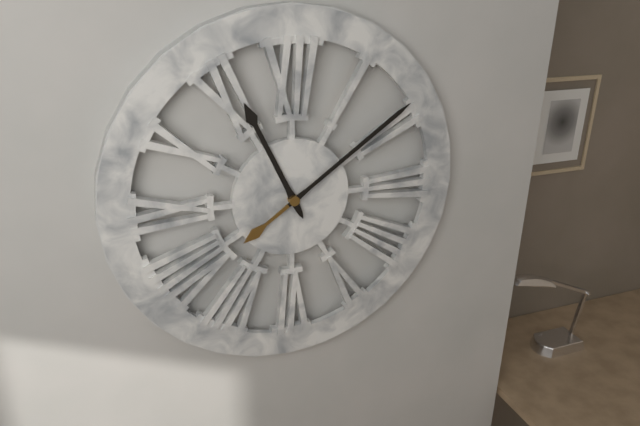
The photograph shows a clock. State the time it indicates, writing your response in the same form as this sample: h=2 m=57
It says h=11 m=9
